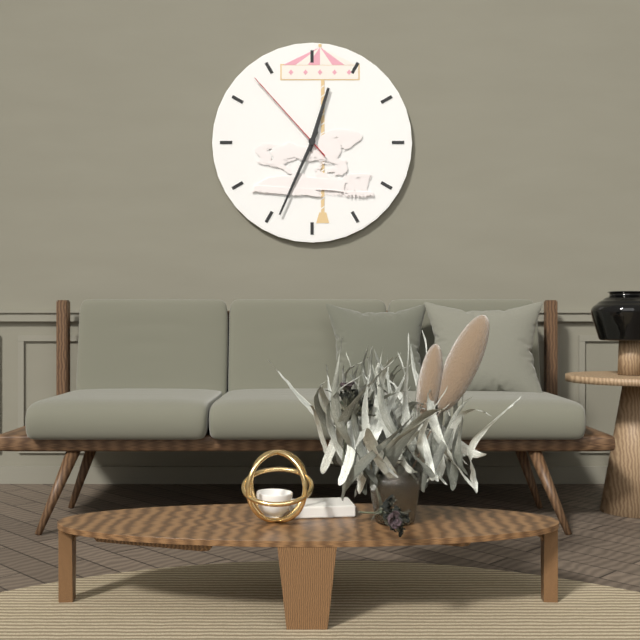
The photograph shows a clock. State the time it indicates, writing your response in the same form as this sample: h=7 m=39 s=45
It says h=12 m=34 s=53
